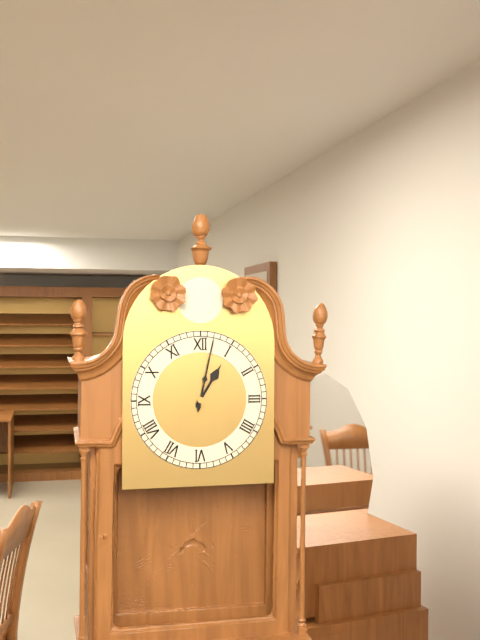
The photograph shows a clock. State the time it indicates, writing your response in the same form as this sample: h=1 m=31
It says h=1 m=2
